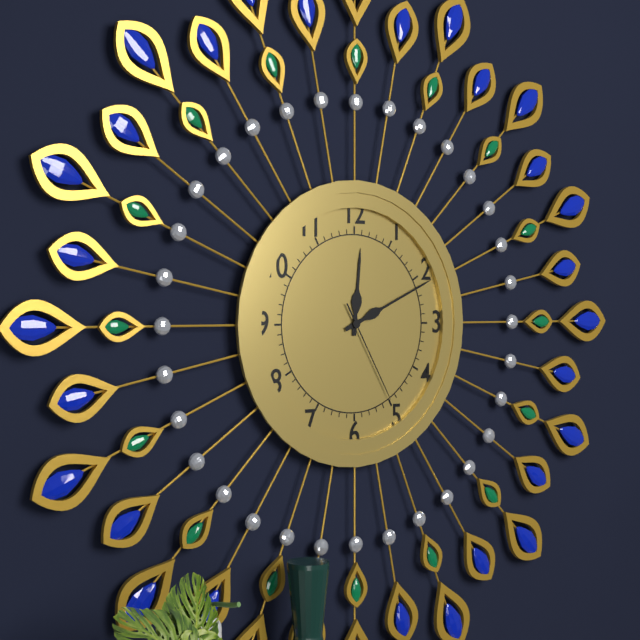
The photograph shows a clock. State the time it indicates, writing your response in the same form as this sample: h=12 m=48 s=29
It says h=12 m=11 s=25
